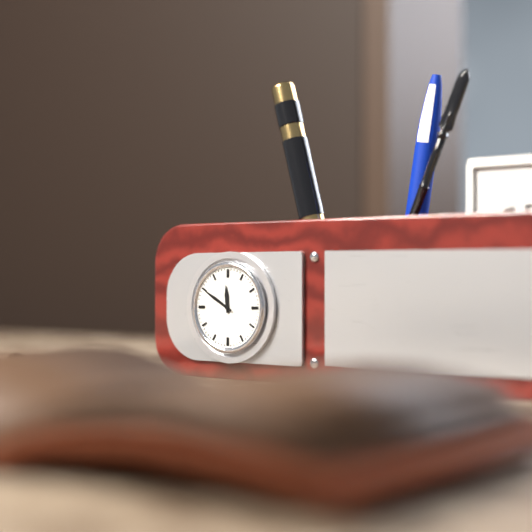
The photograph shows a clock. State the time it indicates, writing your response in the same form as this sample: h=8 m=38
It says h=11 m=50
